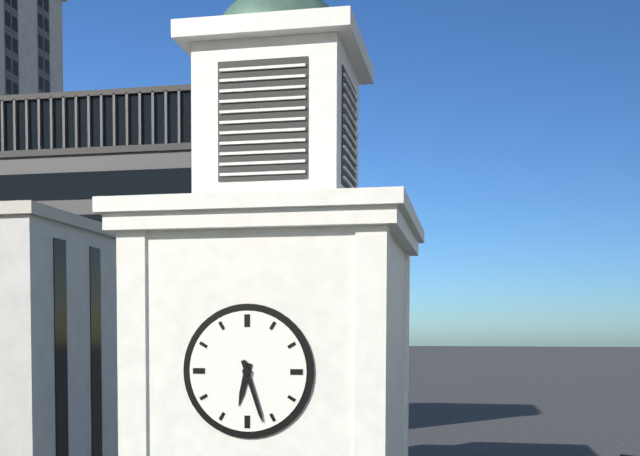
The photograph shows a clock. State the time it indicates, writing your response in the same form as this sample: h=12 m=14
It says h=6 m=27
